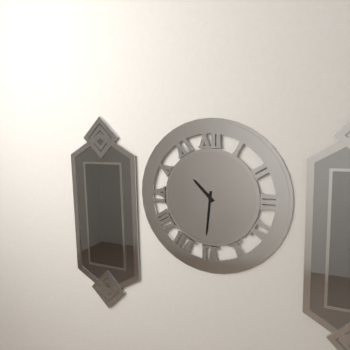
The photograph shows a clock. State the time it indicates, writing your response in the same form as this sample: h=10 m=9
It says h=10 m=31
